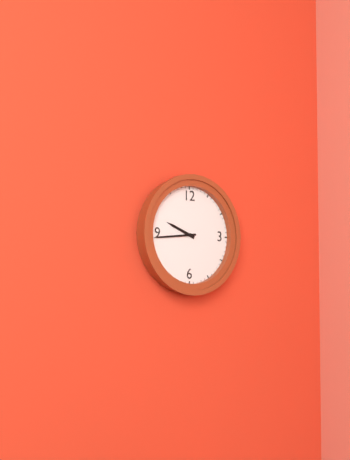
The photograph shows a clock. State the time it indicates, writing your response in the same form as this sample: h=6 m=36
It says h=9 m=44
